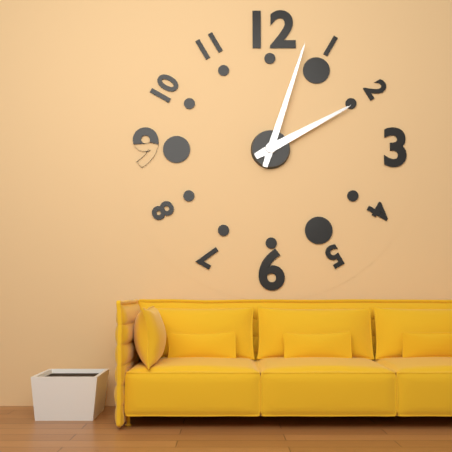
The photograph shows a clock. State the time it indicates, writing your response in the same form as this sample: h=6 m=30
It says h=2 m=3
